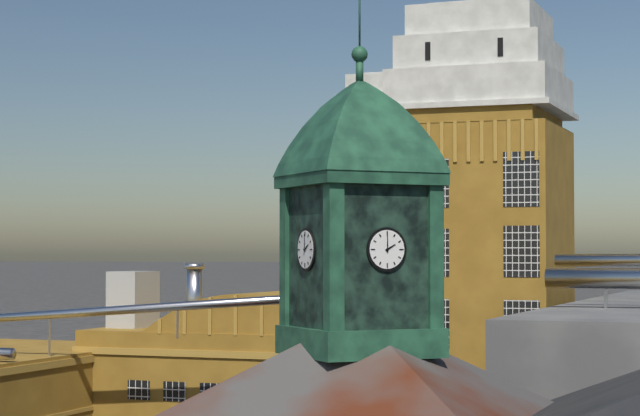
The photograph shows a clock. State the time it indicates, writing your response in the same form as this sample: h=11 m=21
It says h=2 m=0
